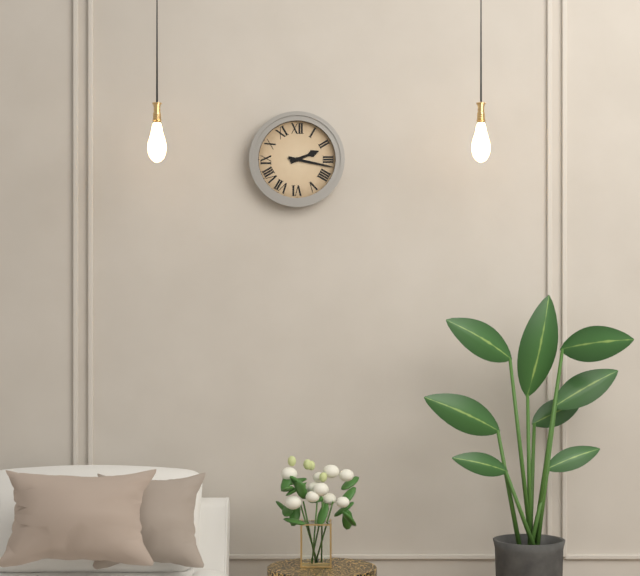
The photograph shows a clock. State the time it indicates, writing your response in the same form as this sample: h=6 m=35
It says h=2 m=17
